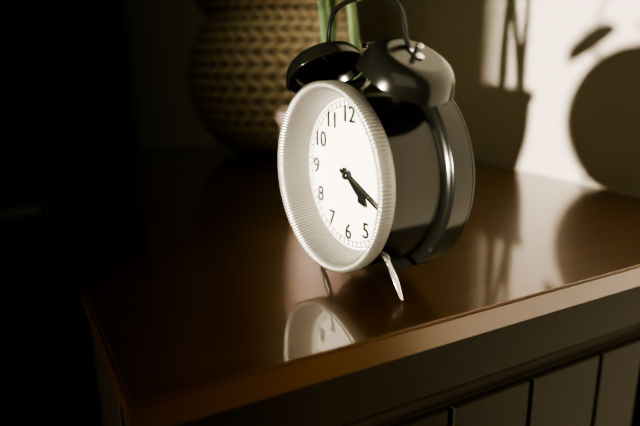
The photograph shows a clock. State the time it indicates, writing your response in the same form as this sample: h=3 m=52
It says h=4 m=19
